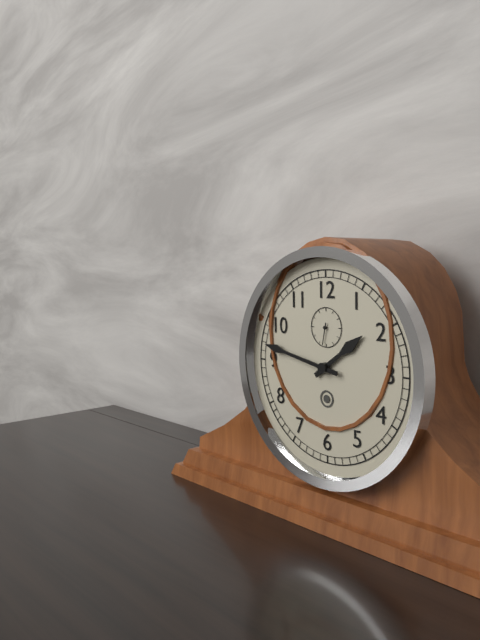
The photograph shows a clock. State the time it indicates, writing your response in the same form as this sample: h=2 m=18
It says h=1 m=47
